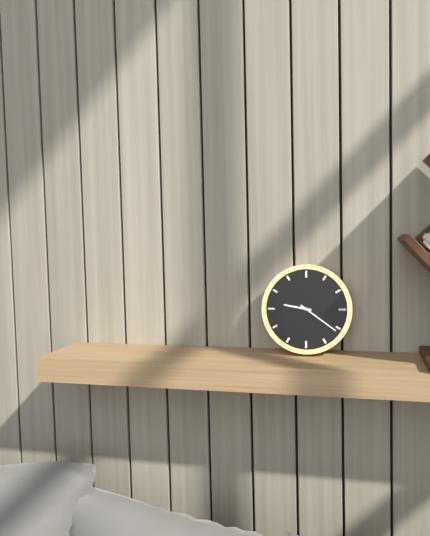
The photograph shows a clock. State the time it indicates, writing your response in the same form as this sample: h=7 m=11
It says h=9 m=21
